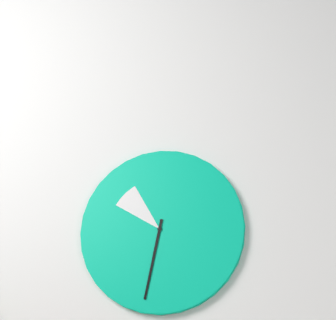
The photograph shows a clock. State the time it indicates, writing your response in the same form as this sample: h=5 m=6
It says h=10 m=32
